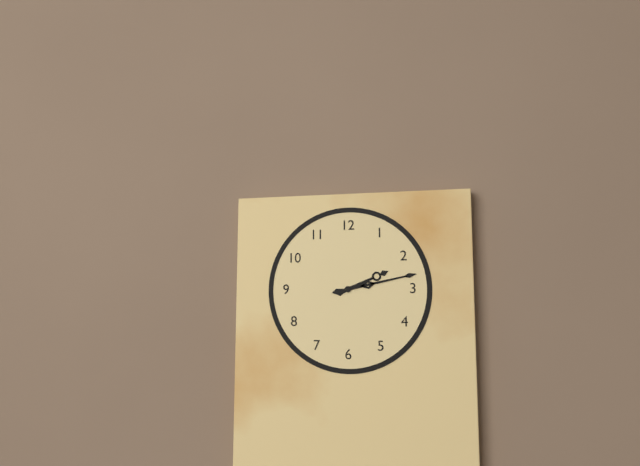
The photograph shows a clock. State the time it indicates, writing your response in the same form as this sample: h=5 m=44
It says h=2 m=13
